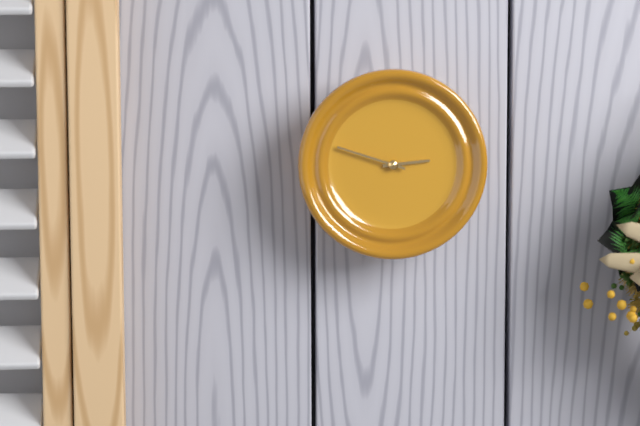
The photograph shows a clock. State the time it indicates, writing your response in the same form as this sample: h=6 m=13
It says h=2 m=48
